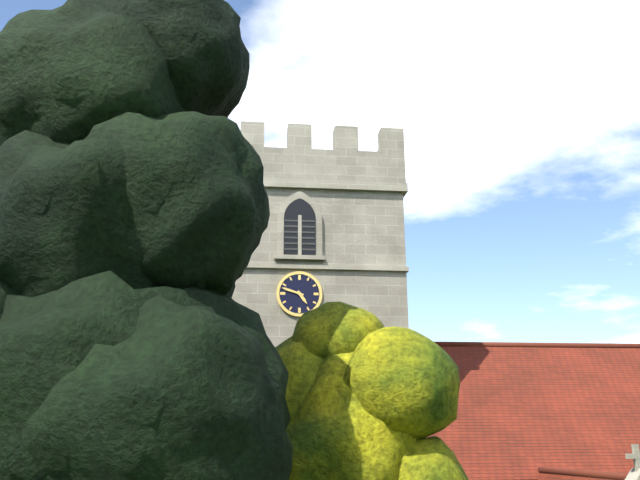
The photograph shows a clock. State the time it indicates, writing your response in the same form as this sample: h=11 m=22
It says h=4 m=48
